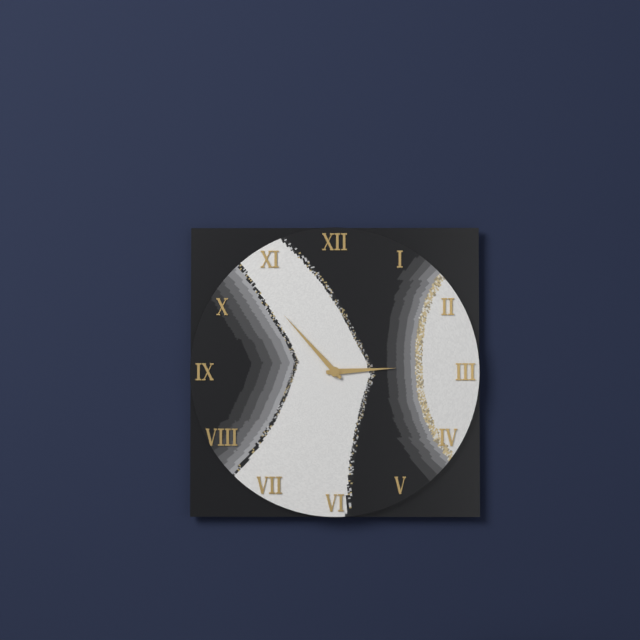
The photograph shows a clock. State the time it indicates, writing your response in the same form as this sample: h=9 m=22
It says h=2 m=53
